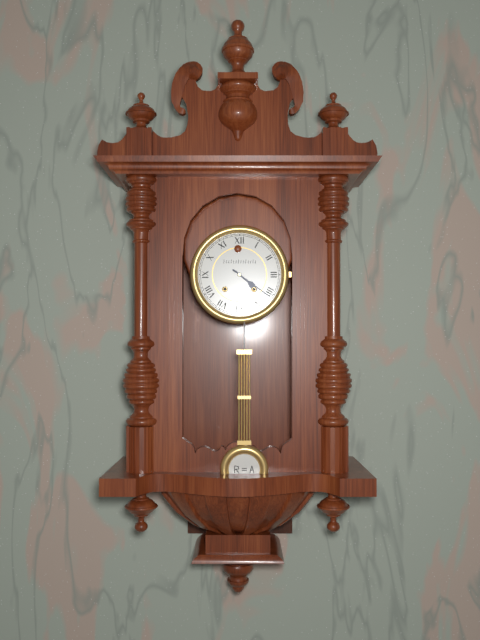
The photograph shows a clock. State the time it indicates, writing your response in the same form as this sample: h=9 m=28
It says h=4 m=21
